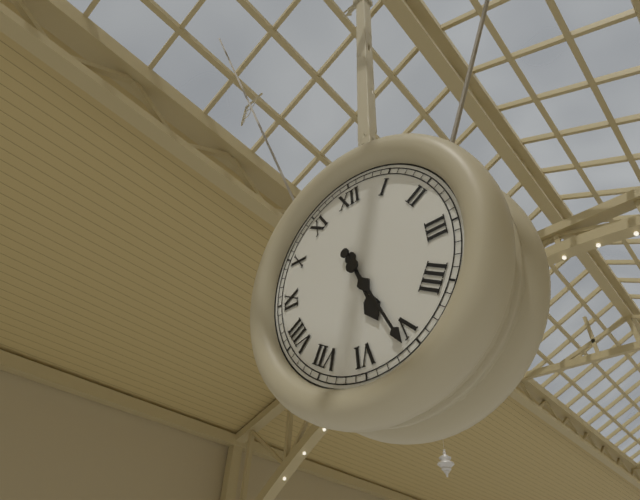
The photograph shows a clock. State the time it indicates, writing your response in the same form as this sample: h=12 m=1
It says h=5 m=26
